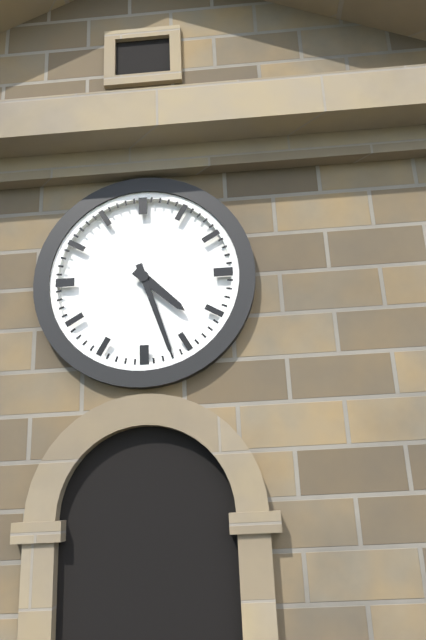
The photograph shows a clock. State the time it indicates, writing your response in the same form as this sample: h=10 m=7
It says h=4 m=27
